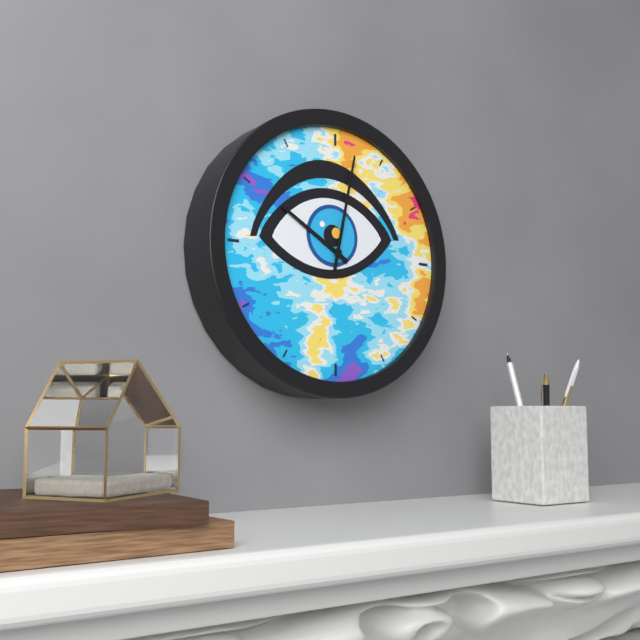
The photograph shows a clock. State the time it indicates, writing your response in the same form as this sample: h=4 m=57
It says h=10 m=2
